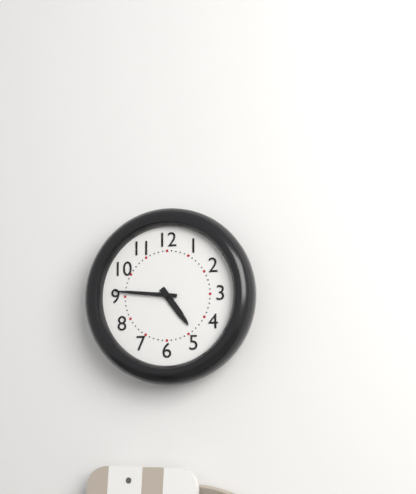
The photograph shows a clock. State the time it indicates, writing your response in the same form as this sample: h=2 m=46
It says h=4 m=46
